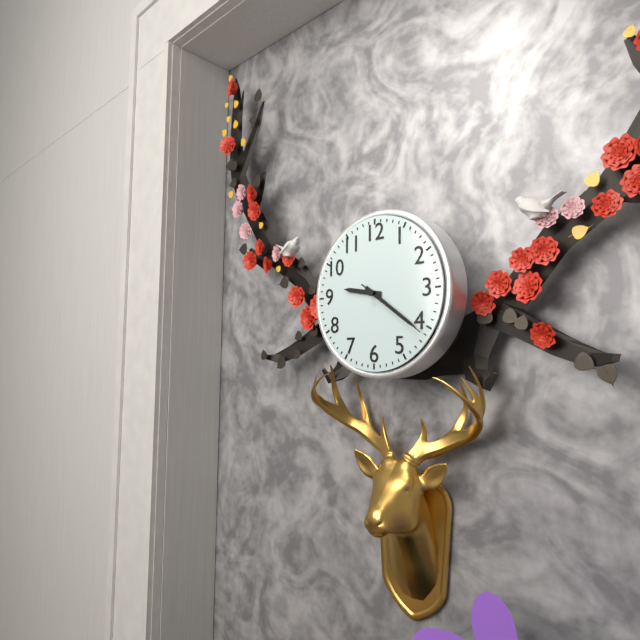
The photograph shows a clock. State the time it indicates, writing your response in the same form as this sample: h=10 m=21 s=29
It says h=9 m=21 s=21
